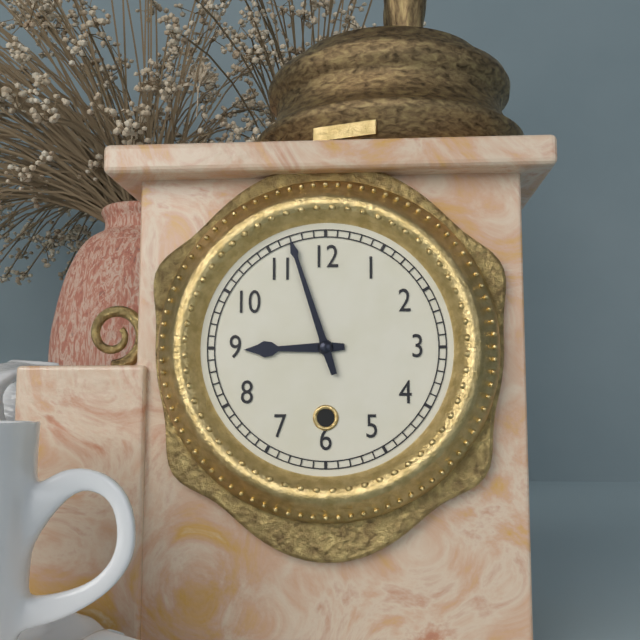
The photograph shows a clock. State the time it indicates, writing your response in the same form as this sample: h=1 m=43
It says h=8 m=57
